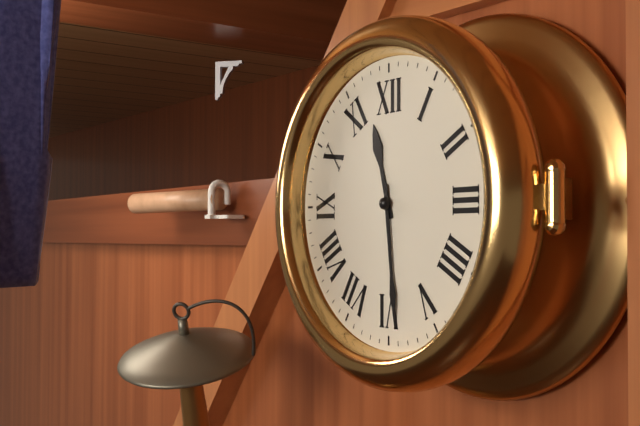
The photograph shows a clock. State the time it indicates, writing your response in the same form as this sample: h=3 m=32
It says h=11 m=29
